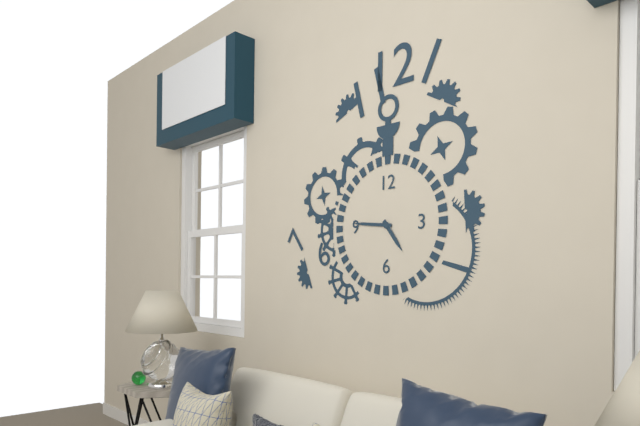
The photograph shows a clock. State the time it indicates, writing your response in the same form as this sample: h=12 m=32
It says h=4 m=46
